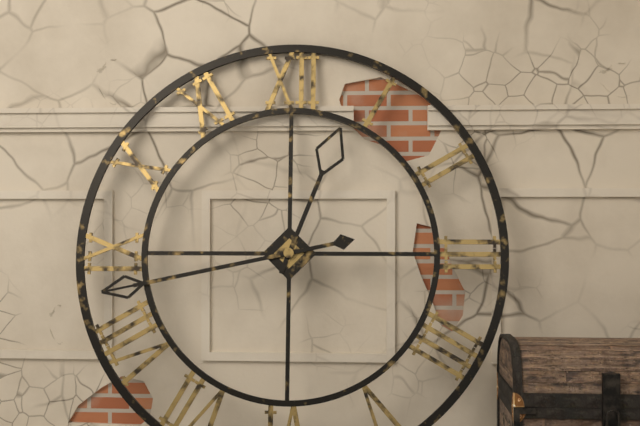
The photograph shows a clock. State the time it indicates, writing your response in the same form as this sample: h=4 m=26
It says h=12 m=43
